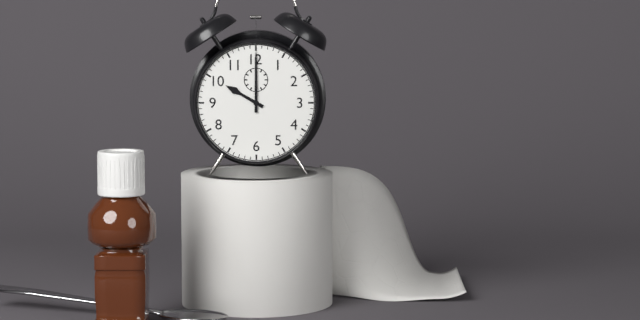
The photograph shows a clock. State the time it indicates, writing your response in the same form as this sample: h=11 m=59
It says h=10 m=0
